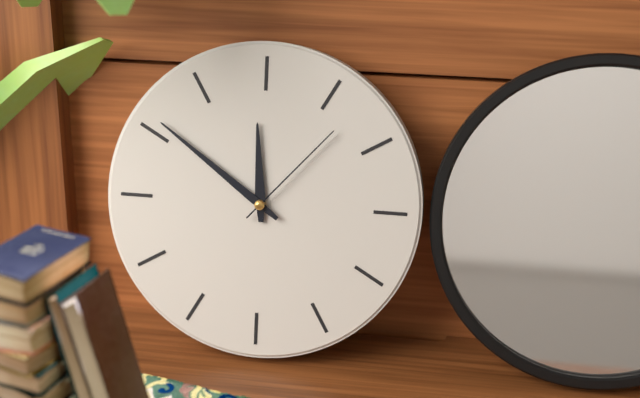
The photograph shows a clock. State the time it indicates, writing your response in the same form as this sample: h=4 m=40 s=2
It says h=11 m=51 s=7
